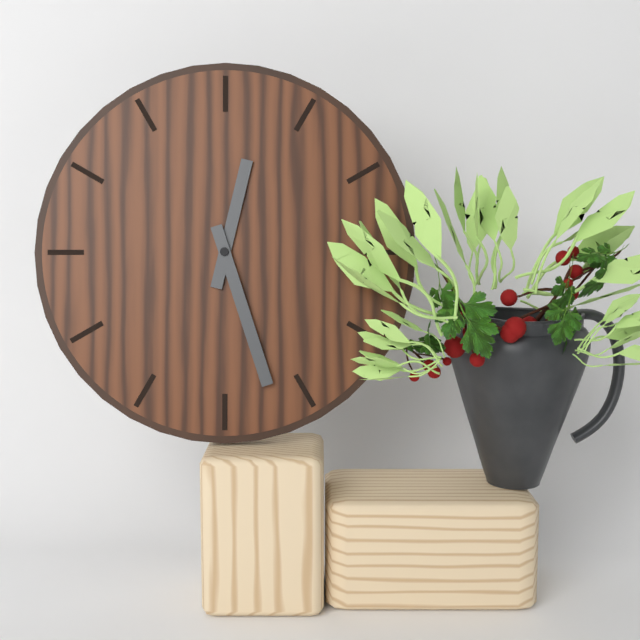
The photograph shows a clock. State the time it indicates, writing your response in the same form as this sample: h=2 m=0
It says h=12 m=27
